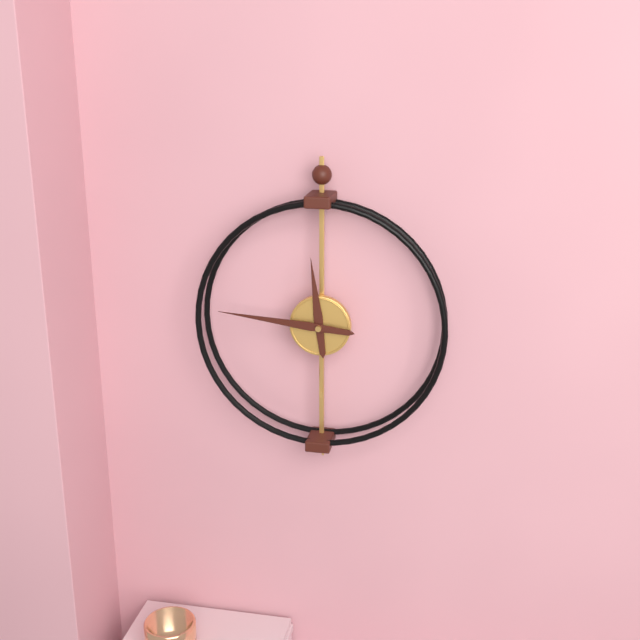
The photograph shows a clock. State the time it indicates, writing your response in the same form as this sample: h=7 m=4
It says h=11 m=46
